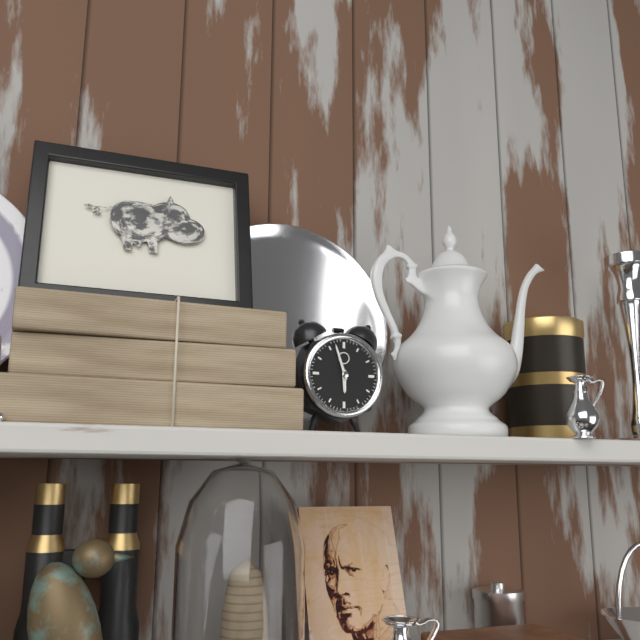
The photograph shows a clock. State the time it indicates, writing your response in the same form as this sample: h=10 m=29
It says h=5 m=57
